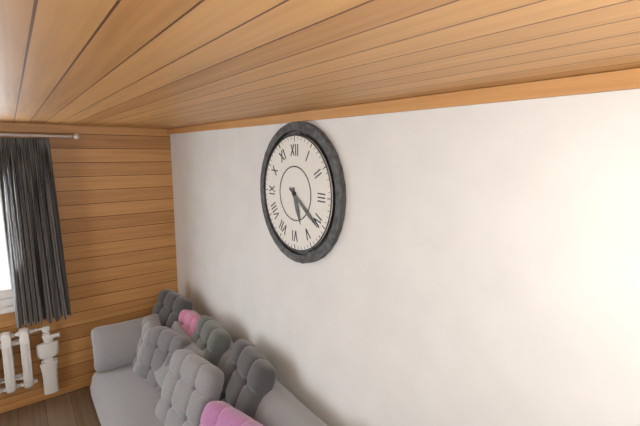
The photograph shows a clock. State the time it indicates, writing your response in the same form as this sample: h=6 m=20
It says h=5 m=21
